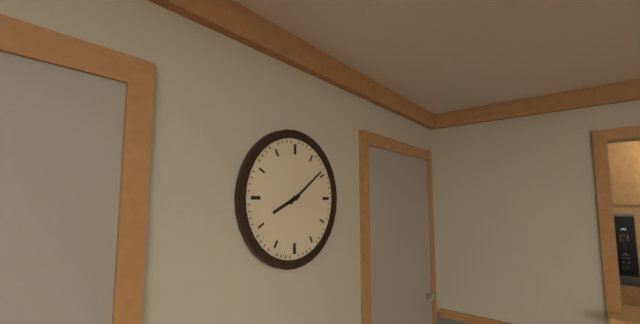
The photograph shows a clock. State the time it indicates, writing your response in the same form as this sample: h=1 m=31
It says h=8 m=9
